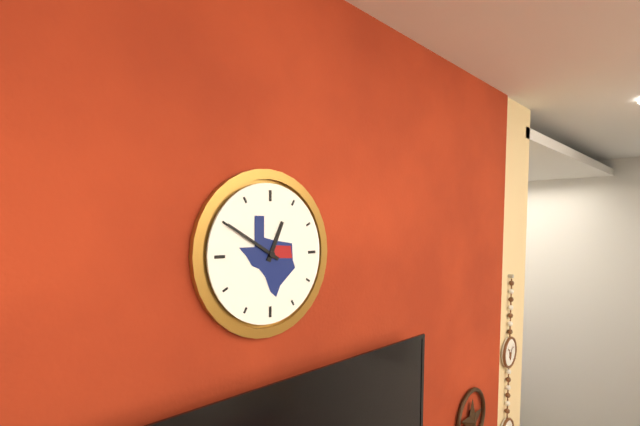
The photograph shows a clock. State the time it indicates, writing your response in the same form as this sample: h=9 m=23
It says h=12 m=50
